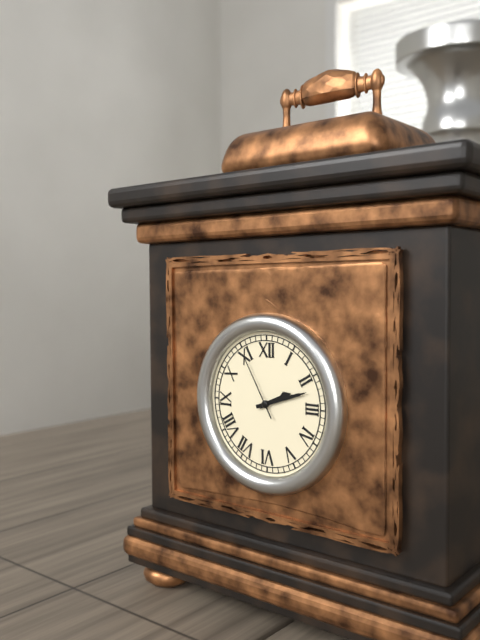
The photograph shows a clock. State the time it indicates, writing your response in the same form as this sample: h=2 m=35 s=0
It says h=2 m=12 s=55
